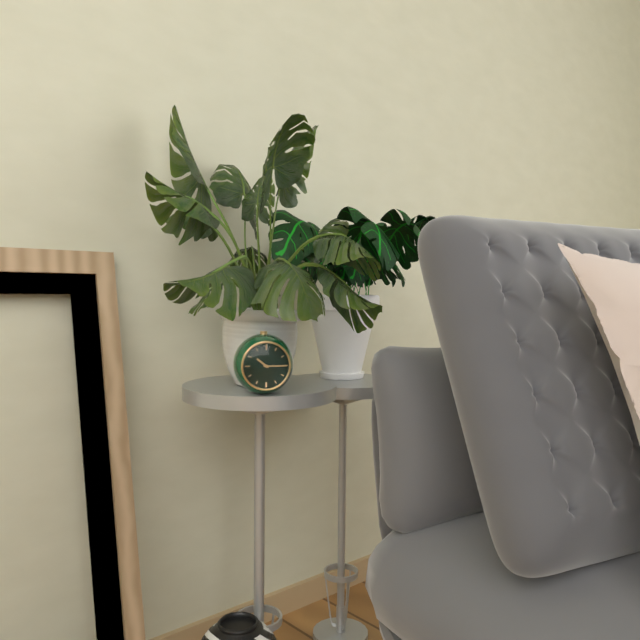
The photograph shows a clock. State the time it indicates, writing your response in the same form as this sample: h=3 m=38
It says h=10 m=15
